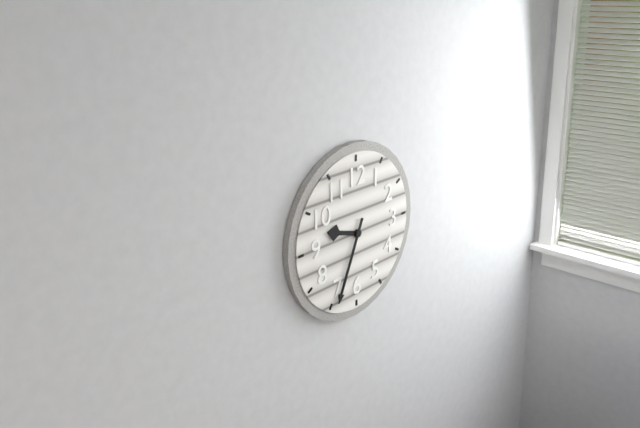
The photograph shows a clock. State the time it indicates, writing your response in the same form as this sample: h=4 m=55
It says h=9 m=34
